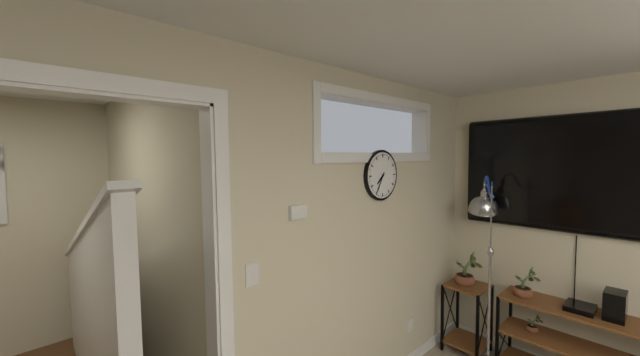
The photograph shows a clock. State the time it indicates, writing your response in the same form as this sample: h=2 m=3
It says h=7 m=35
